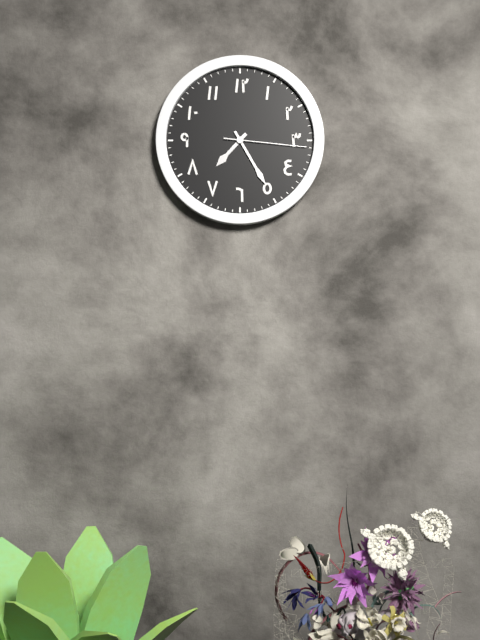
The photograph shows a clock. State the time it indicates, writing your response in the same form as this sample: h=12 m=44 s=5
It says h=7 m=25 s=16
